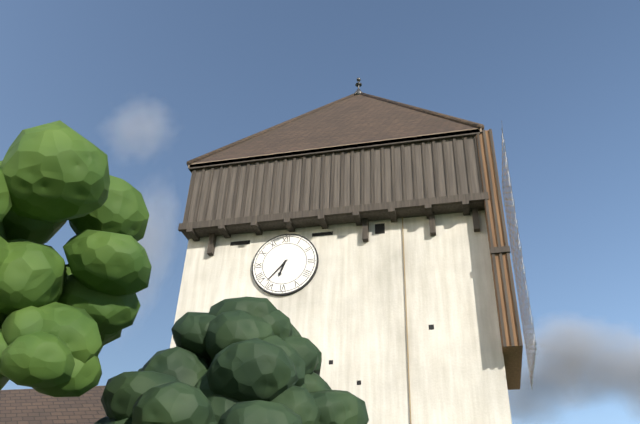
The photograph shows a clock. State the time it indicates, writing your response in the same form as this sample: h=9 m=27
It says h=6 m=37
